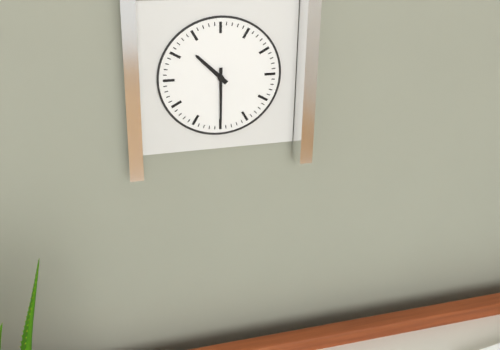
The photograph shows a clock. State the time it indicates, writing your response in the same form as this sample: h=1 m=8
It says h=10 m=30
